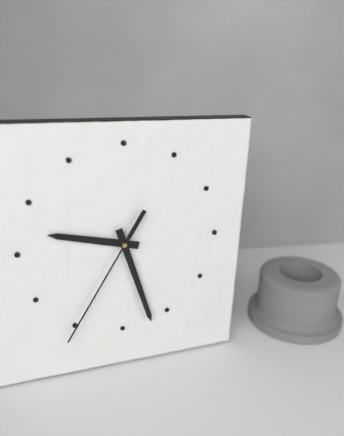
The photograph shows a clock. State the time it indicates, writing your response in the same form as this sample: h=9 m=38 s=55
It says h=9 m=27 s=35
